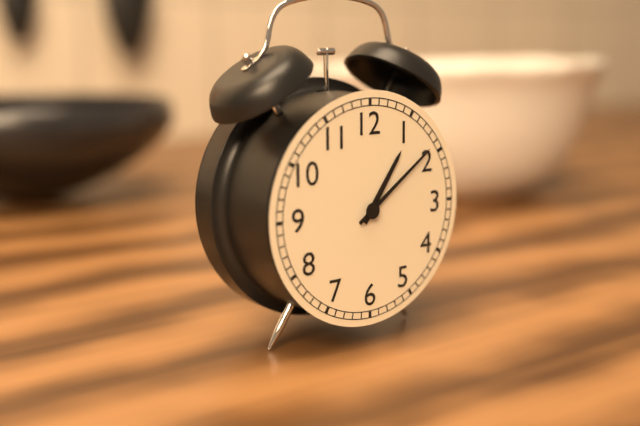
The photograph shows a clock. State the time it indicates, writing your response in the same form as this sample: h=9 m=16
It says h=1 m=9
